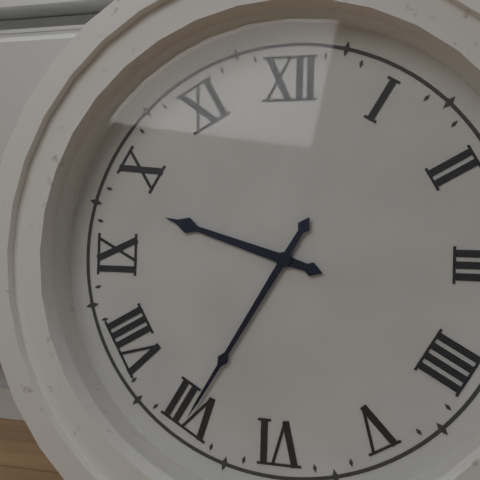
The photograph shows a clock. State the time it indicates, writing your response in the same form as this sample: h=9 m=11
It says h=9 m=35
